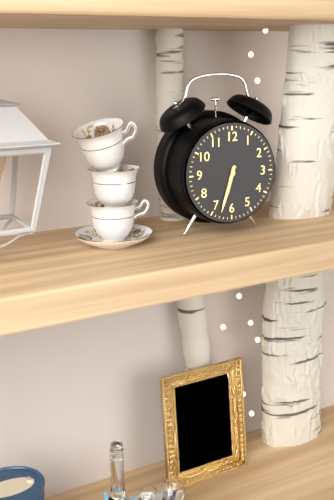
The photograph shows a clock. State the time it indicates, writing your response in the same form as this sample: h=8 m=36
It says h=6 m=33
